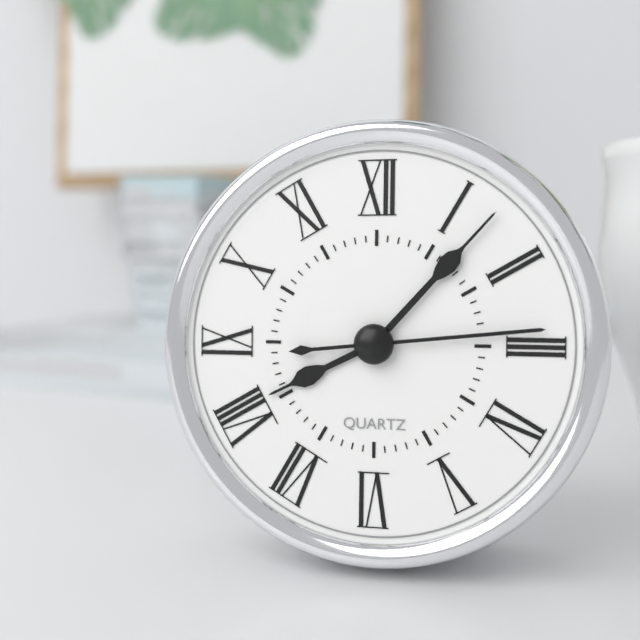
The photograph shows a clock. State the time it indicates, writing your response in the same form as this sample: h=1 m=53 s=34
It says h=8 m=7 s=14
